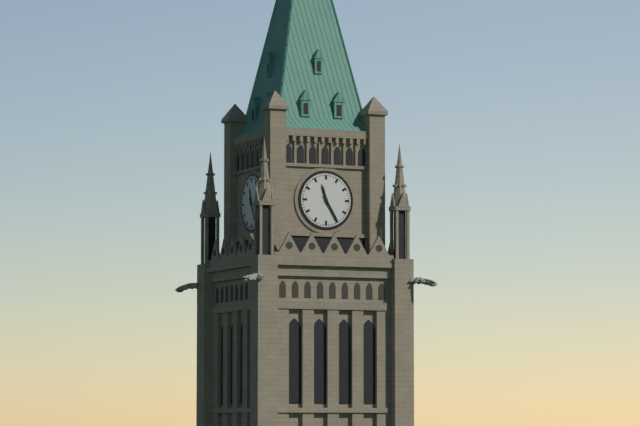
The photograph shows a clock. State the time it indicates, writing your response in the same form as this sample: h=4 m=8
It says h=11 m=25
